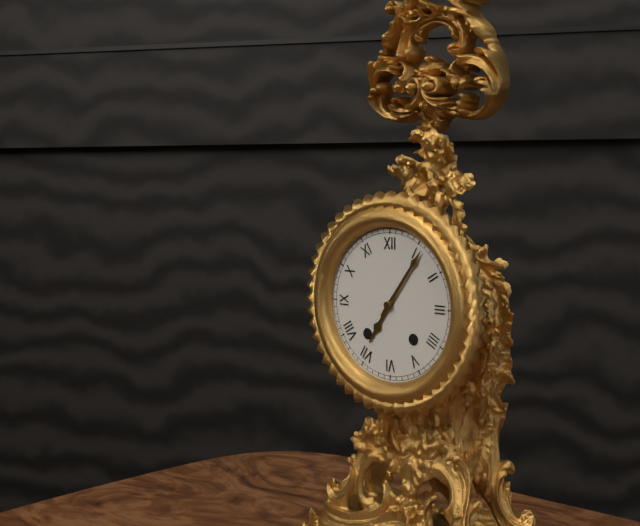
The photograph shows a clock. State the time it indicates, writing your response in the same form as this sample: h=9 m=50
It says h=7 m=6
